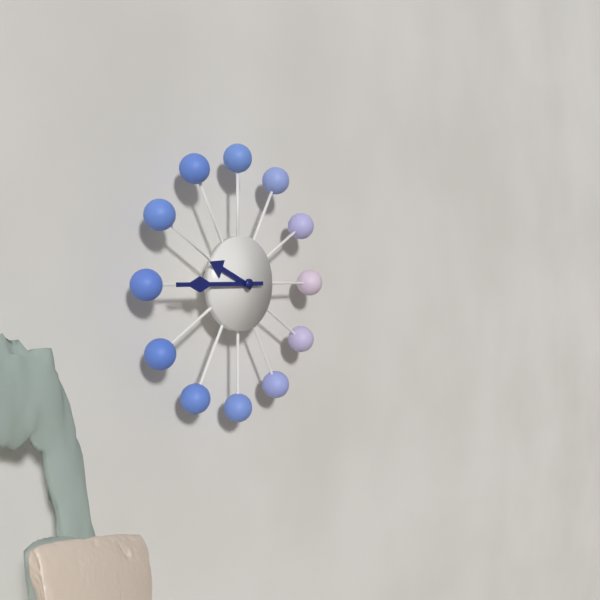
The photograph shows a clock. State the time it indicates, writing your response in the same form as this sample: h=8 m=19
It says h=9 m=45
